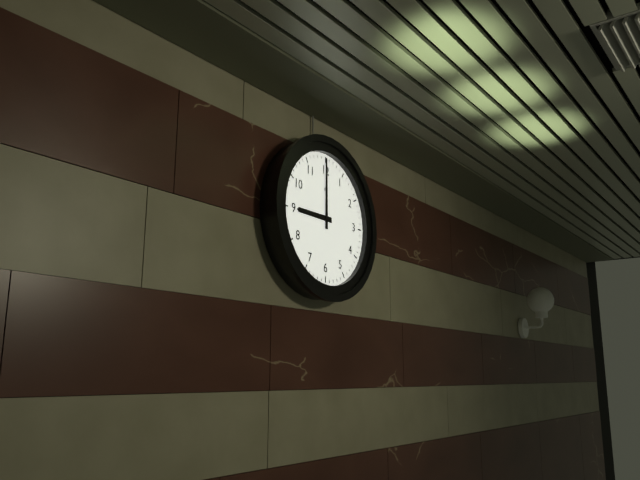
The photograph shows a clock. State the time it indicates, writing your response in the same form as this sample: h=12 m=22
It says h=9 m=0
